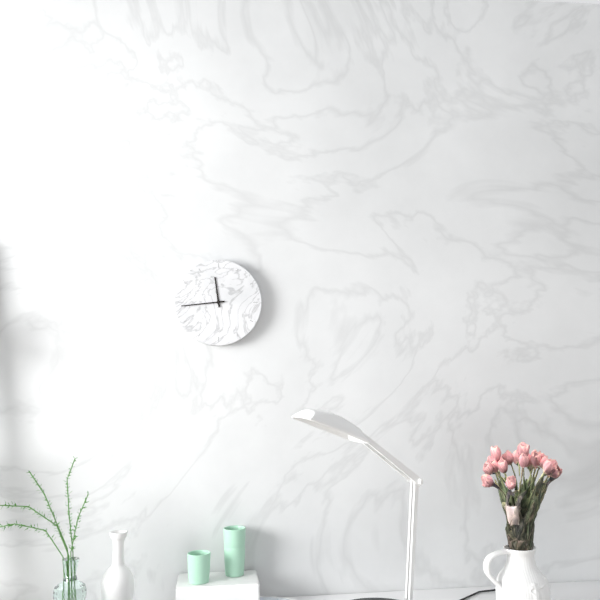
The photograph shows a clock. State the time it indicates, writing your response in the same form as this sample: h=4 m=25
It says h=11 m=44
